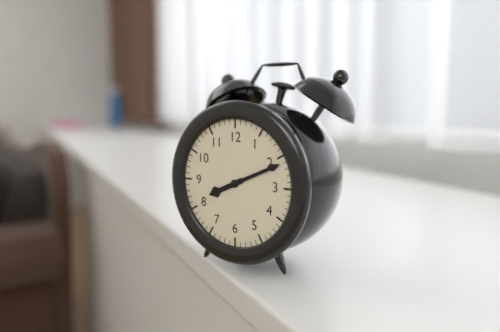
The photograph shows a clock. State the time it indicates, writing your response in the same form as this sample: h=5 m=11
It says h=8 m=11
